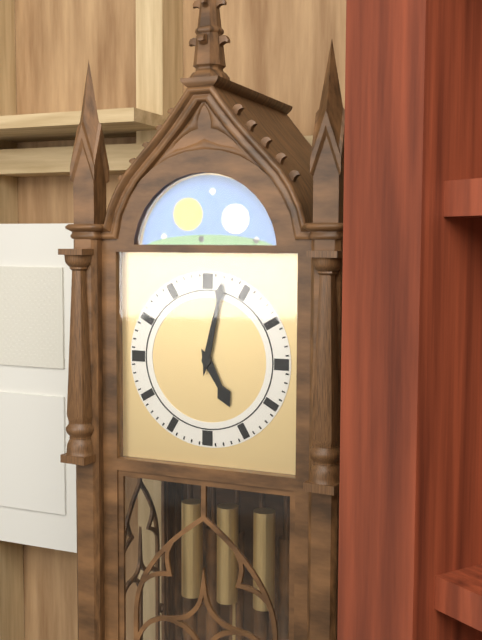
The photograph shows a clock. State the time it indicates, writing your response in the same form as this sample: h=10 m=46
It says h=5 m=2
